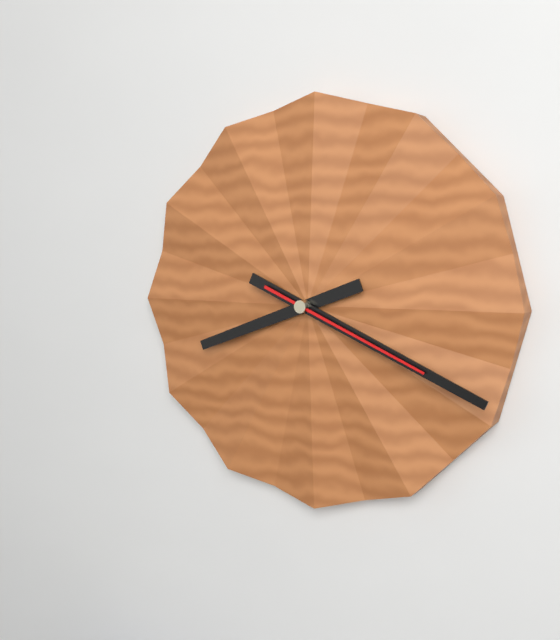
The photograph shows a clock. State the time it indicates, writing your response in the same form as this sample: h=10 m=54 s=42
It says h=8 m=19 s=19
